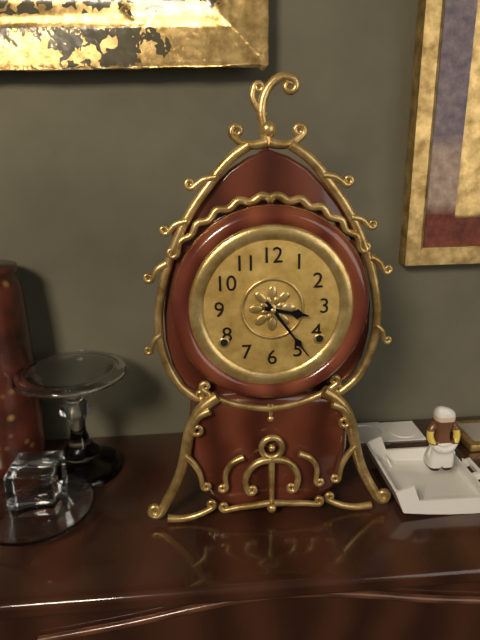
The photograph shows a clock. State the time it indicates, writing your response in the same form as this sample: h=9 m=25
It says h=3 m=24
